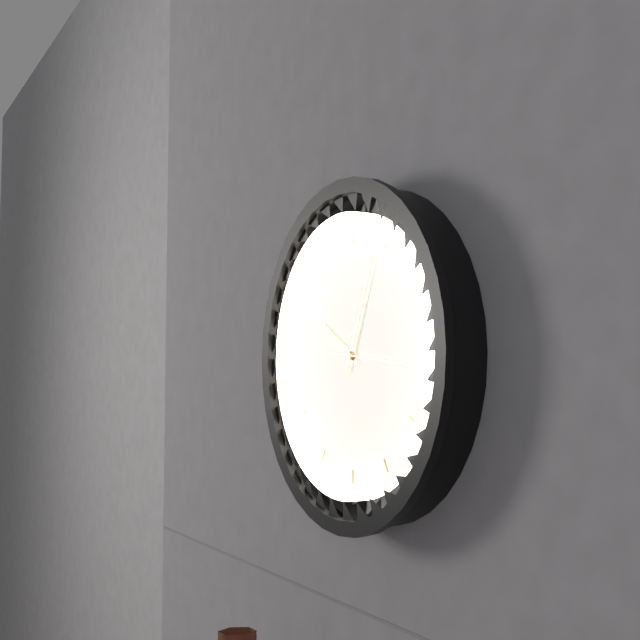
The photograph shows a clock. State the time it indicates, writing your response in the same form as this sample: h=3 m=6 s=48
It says h=10 m=4 s=16
